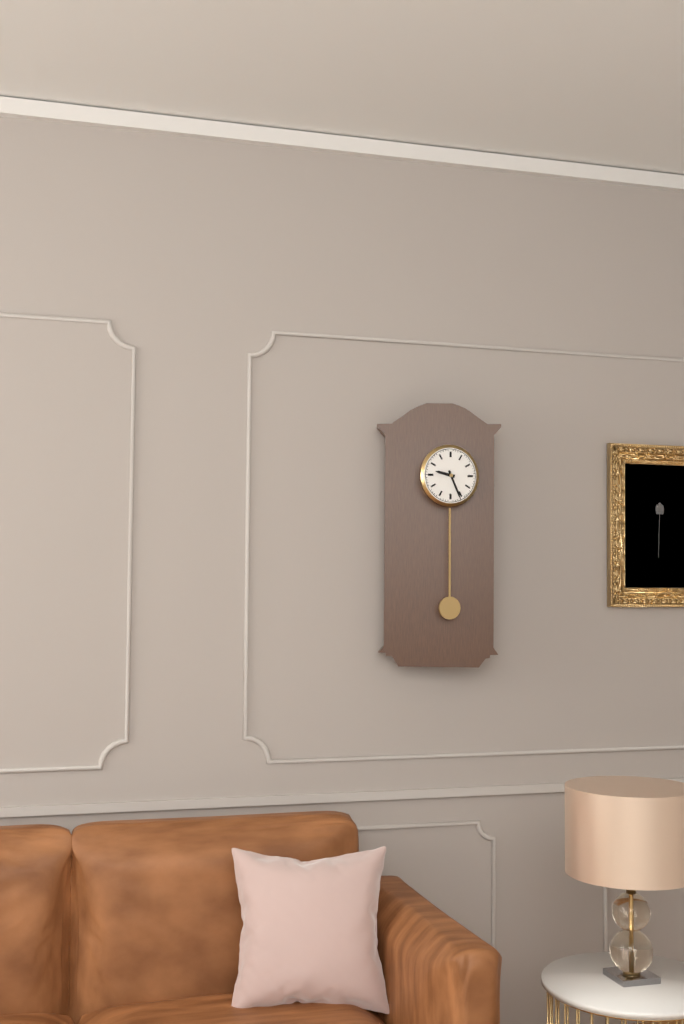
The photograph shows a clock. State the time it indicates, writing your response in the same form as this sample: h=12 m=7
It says h=9 m=26
